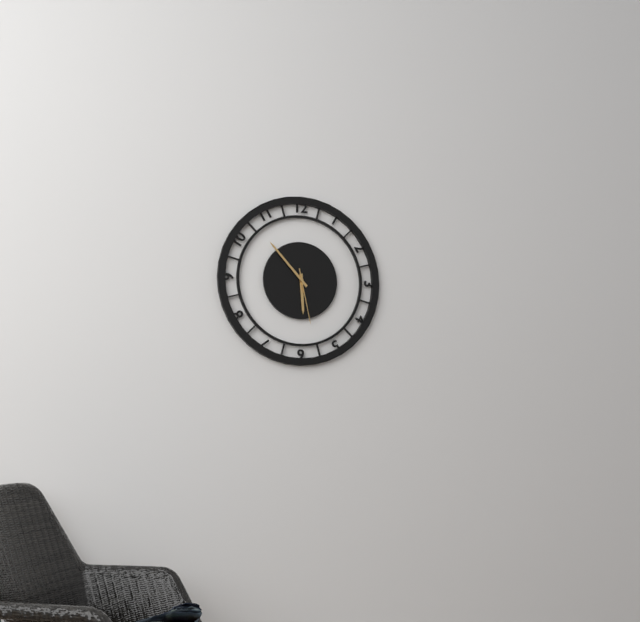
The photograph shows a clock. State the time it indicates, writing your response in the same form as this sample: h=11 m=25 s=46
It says h=5 m=53 s=28
